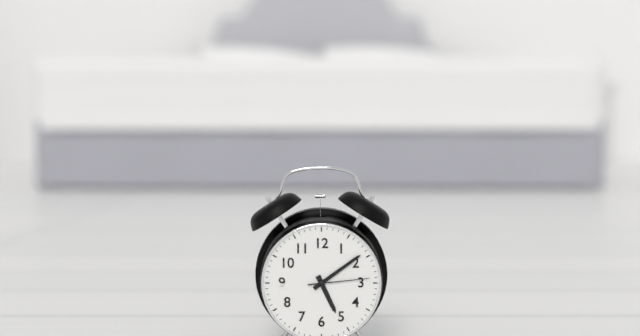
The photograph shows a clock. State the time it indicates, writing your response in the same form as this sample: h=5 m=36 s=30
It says h=5 m=9 s=14
